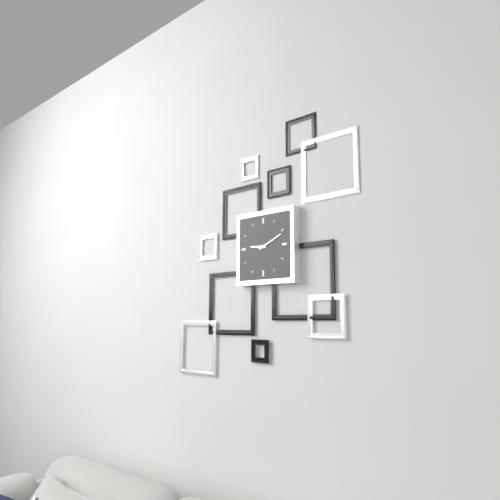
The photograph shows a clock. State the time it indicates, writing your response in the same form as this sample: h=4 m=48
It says h=9 m=11
